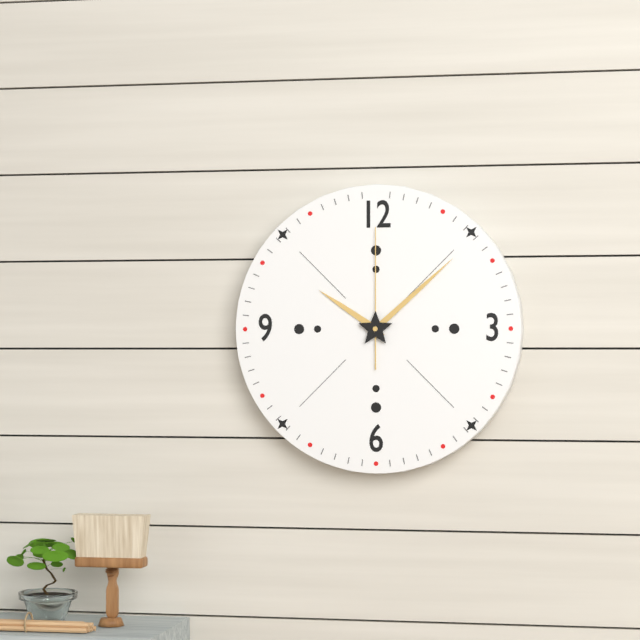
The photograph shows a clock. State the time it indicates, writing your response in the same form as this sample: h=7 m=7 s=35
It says h=10 m=8 s=0
